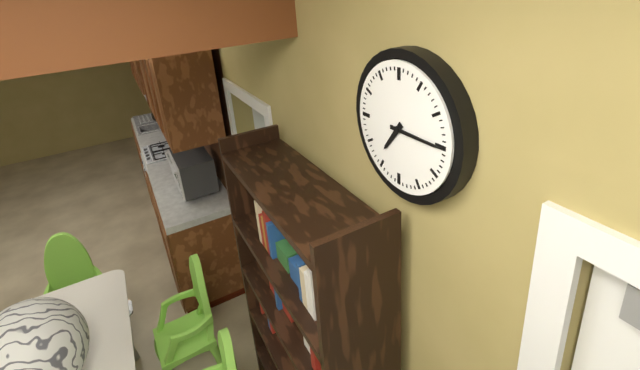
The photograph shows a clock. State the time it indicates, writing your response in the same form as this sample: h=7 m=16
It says h=7 m=15
